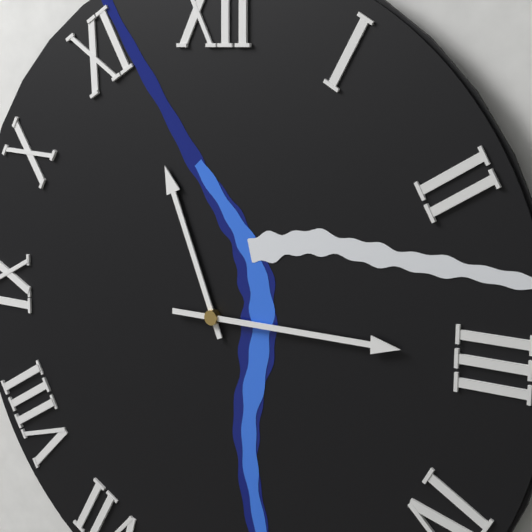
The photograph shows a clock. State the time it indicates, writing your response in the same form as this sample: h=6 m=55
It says h=11 m=15
